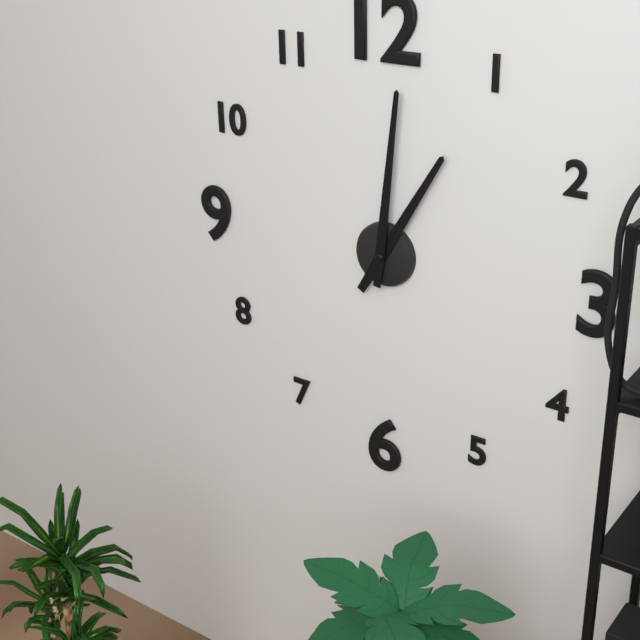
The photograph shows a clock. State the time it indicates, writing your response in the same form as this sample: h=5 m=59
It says h=1 m=1
